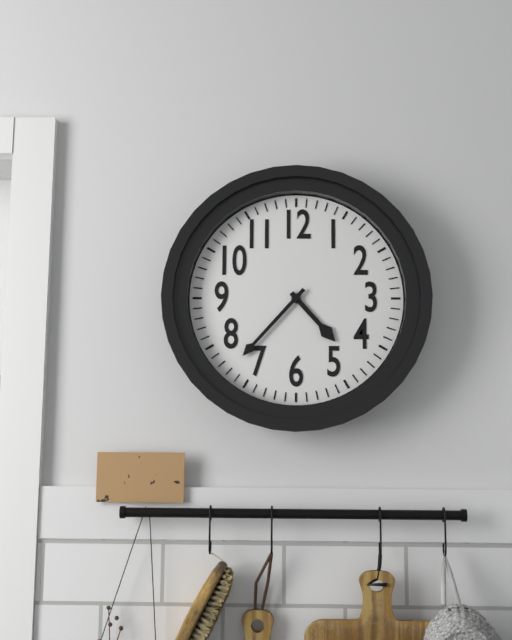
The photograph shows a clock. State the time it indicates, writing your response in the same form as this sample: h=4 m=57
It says h=4 m=37
